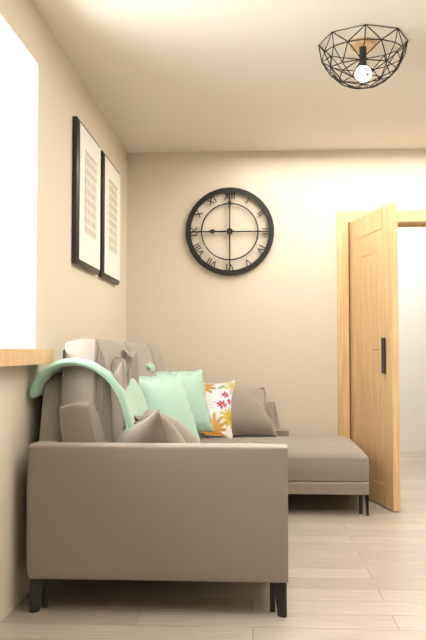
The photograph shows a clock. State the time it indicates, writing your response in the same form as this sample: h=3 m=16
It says h=9 m=0
